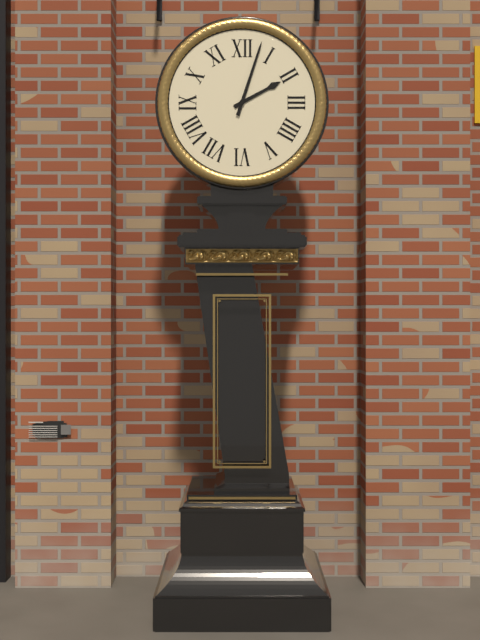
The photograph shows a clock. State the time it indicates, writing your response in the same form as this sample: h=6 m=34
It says h=2 m=3
